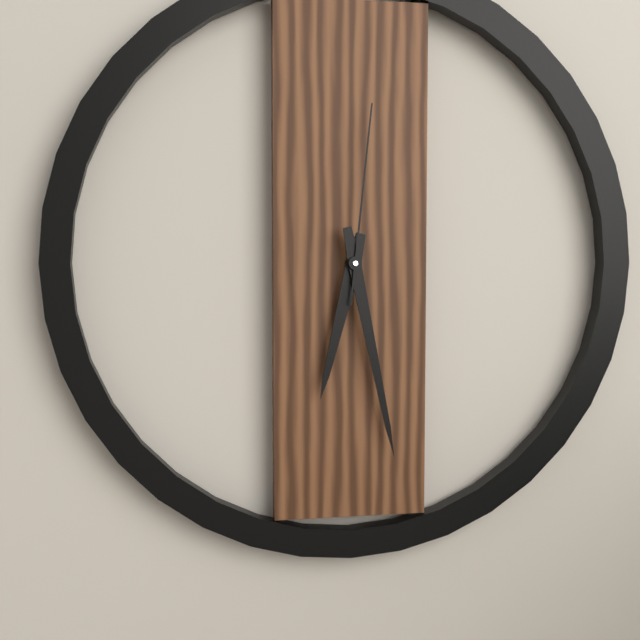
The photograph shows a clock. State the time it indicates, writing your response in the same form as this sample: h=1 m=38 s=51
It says h=6 m=28 s=1
